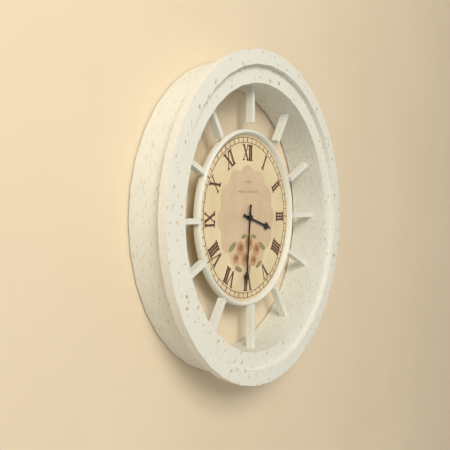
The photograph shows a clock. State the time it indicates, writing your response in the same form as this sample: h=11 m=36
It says h=3 m=31
